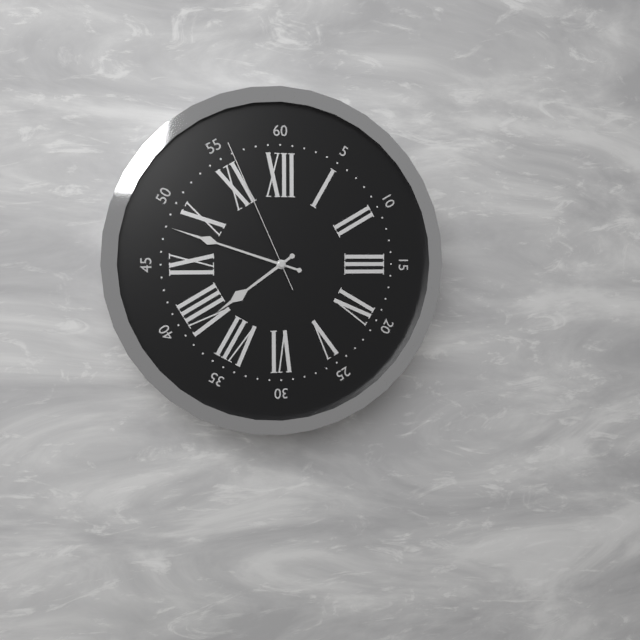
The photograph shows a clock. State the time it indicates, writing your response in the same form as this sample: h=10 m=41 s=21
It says h=7 m=48 s=56
